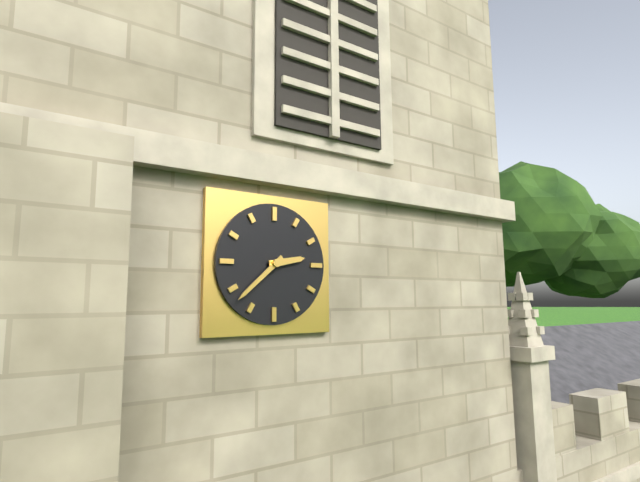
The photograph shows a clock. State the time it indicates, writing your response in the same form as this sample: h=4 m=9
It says h=2 m=38
